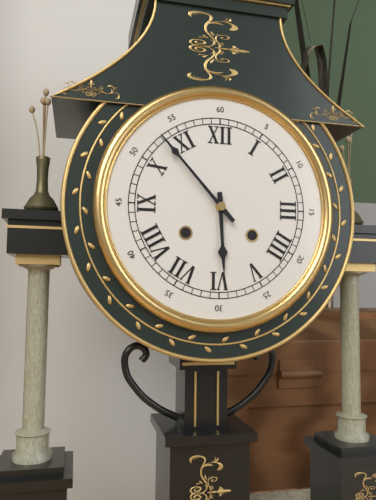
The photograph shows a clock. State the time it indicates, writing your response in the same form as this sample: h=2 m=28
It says h=5 m=53
